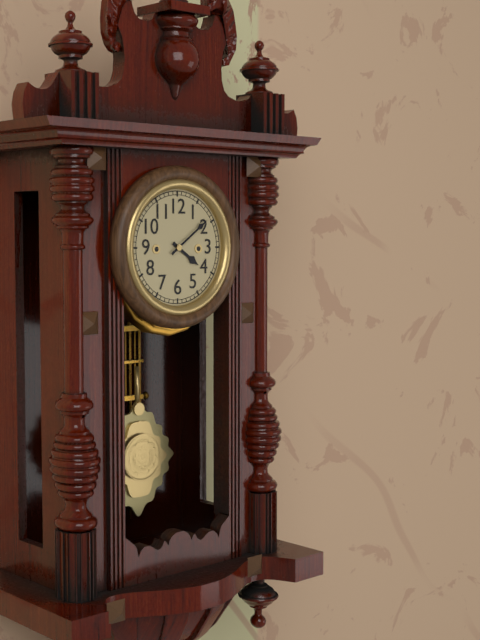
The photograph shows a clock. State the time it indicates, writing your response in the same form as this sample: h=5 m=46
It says h=4 m=9
